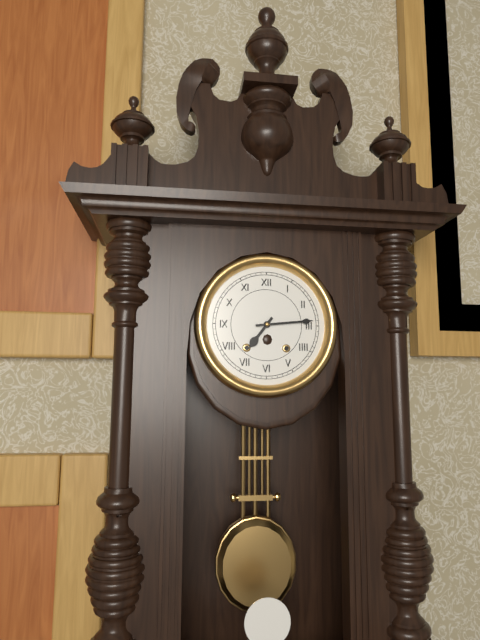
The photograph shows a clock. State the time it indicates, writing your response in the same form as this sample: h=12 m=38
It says h=7 m=14
